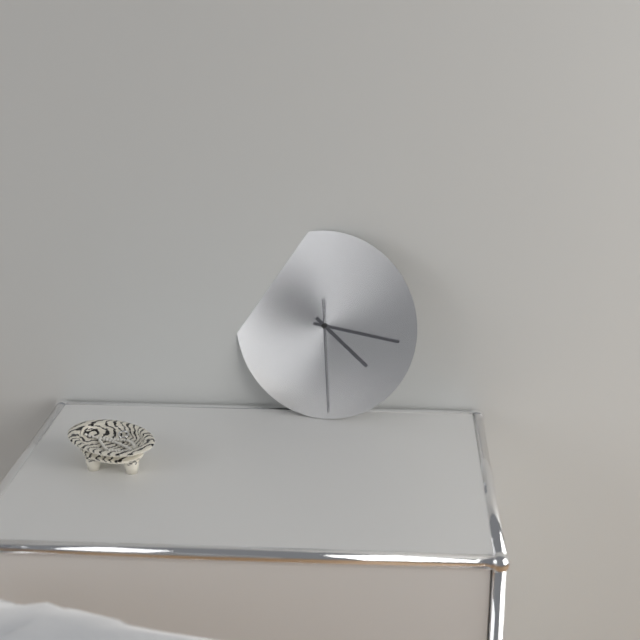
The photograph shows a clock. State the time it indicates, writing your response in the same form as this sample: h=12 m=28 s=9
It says h=4 m=16 s=29
